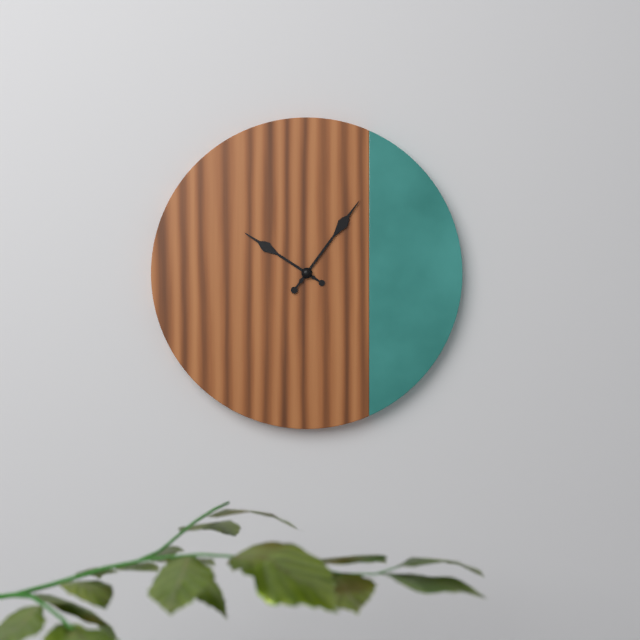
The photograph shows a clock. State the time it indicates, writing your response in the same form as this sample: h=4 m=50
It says h=10 m=6
